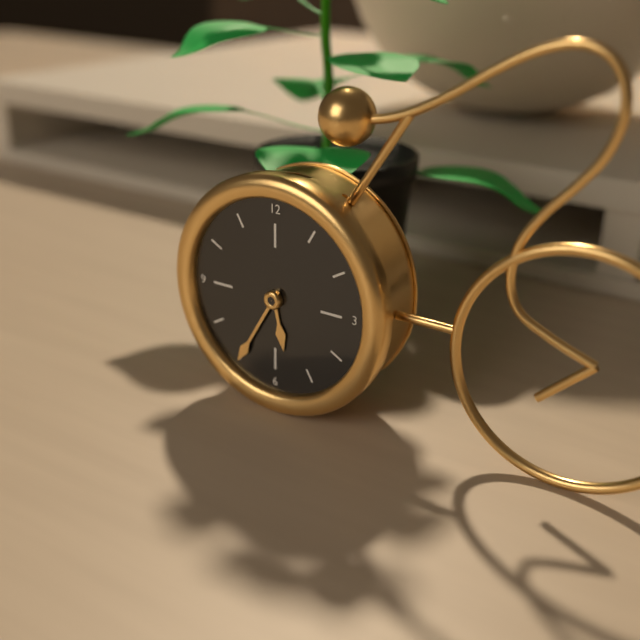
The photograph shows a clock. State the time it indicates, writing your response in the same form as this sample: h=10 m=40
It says h=5 m=35
